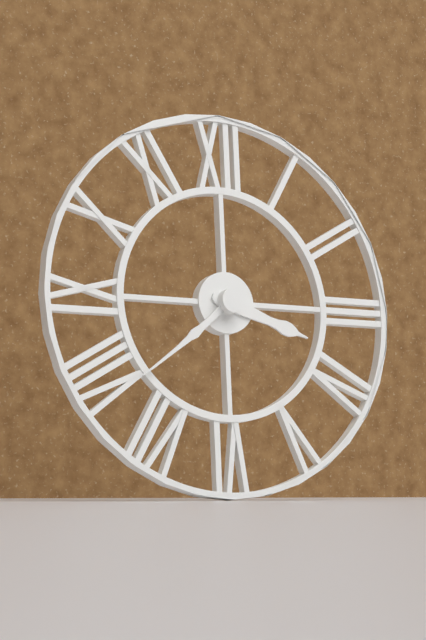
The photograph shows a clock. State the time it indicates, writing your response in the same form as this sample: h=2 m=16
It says h=3 m=38
